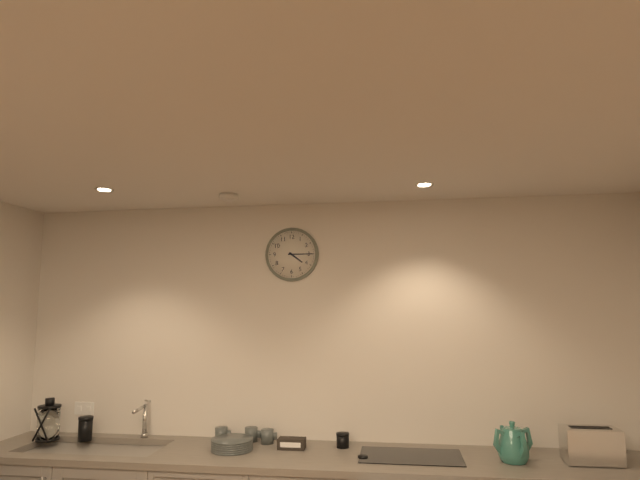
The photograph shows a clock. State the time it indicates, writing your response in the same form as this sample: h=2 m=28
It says h=4 m=15
